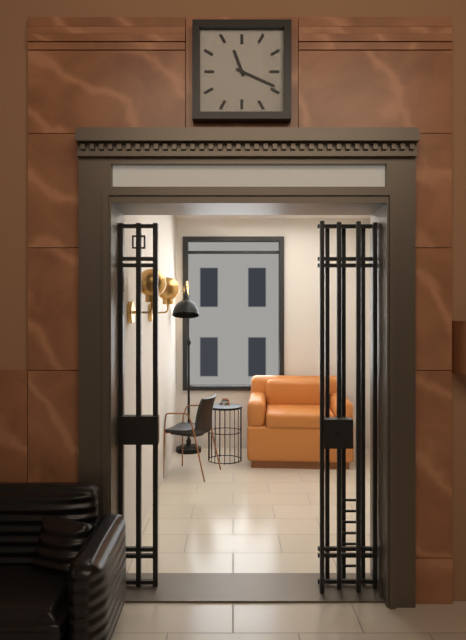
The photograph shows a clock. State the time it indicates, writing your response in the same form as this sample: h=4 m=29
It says h=11 m=19
